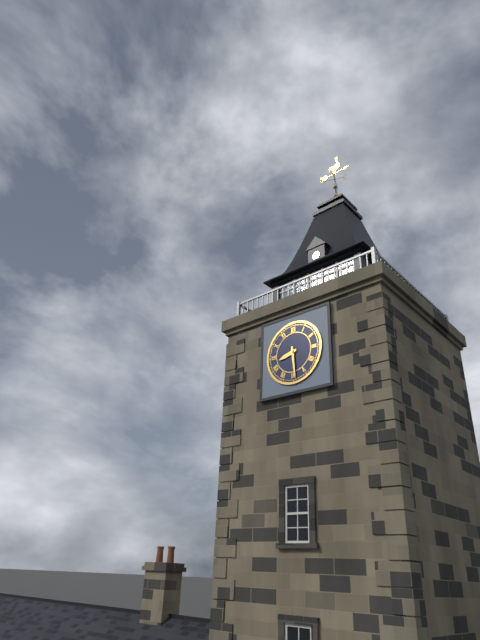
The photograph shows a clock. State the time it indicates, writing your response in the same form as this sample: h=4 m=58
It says h=8 m=29
